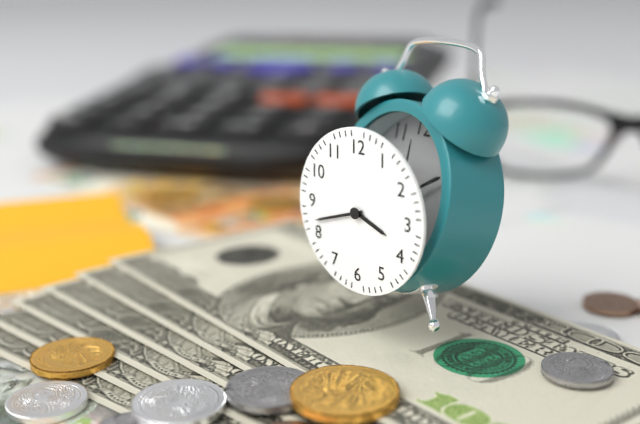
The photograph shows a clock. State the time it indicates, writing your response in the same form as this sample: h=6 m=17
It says h=3 m=42
